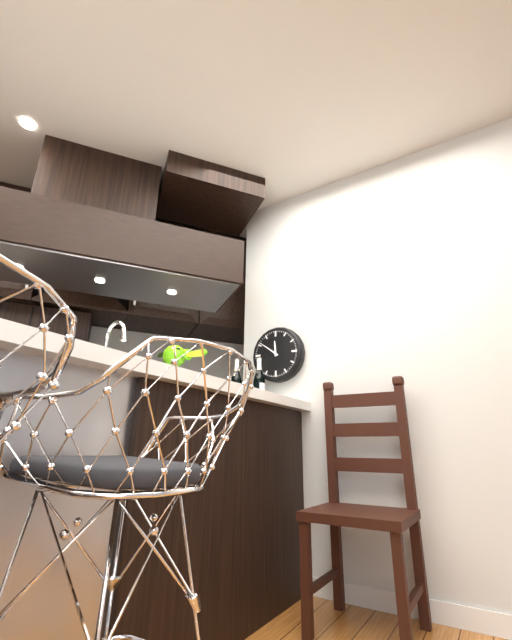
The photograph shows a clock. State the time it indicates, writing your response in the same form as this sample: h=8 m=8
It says h=11 m=51
